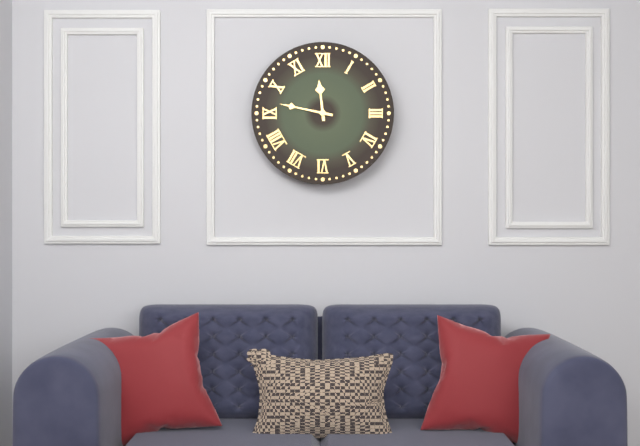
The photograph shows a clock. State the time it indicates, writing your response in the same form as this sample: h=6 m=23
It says h=11 m=47
